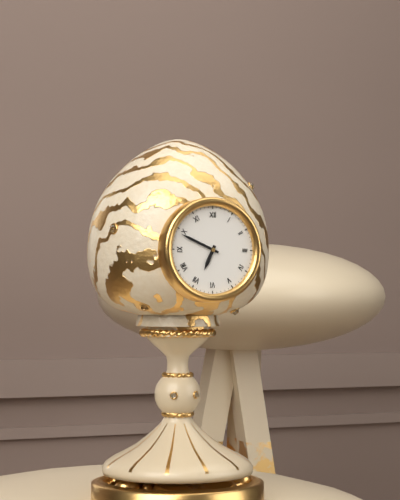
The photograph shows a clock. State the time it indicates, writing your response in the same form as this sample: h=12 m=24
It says h=6 m=49
